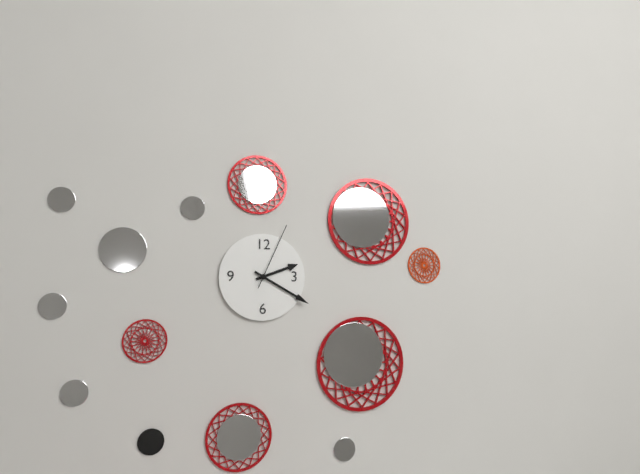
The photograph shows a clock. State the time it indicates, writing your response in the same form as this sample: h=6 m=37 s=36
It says h=2 m=20 s=4
